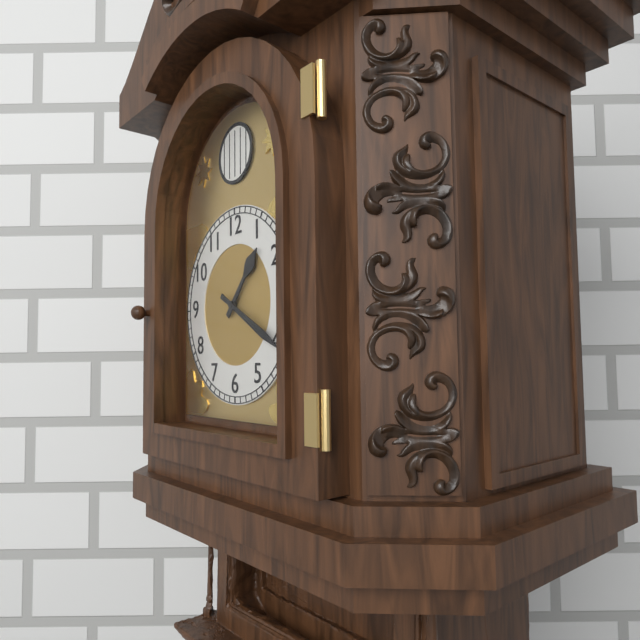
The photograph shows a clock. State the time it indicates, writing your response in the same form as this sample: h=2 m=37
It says h=1 m=20
